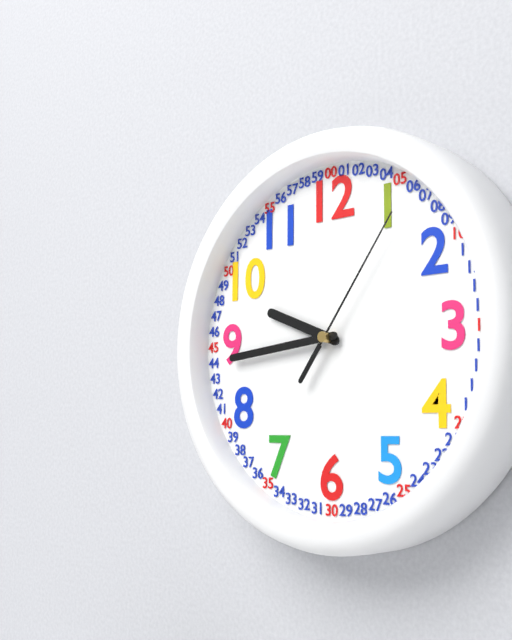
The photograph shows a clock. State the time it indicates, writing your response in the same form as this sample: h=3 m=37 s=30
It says h=9 m=44 s=6
